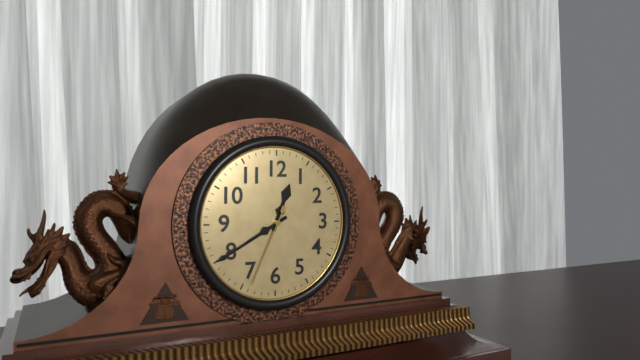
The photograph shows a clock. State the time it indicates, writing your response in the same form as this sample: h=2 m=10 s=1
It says h=12 m=40 s=34
